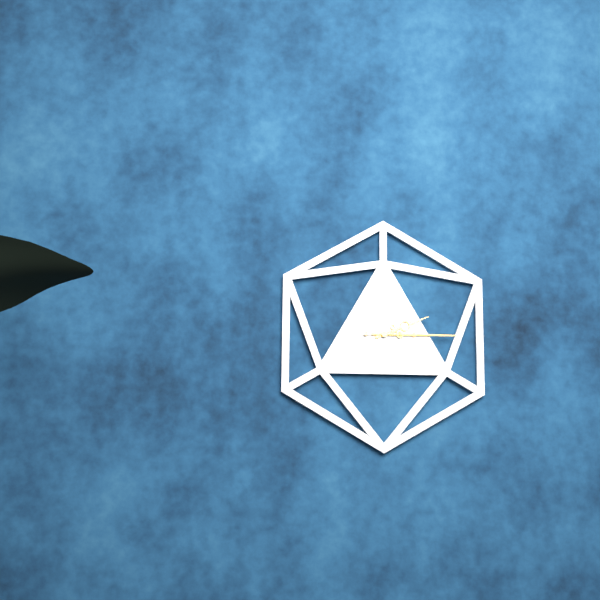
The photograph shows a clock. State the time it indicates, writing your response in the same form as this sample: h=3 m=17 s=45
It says h=2 m=15 s=15
